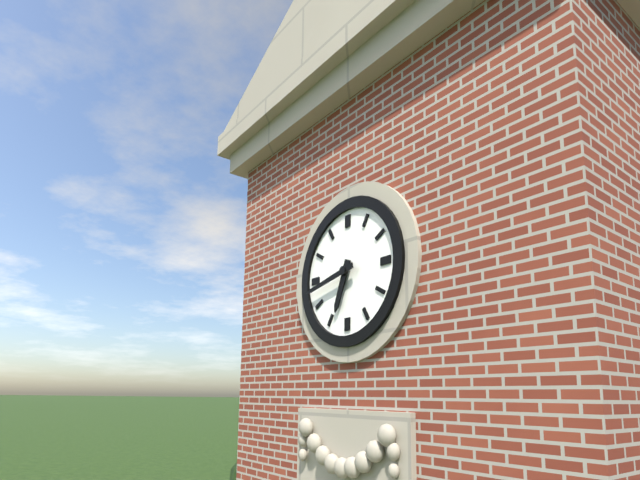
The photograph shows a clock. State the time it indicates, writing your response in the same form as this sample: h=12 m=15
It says h=6 m=43
